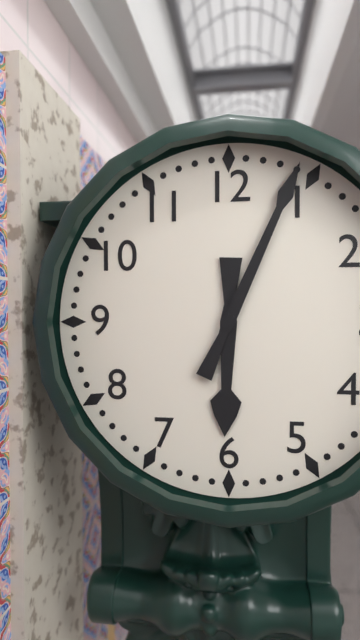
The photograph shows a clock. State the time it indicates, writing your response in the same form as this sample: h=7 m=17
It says h=6 m=4
